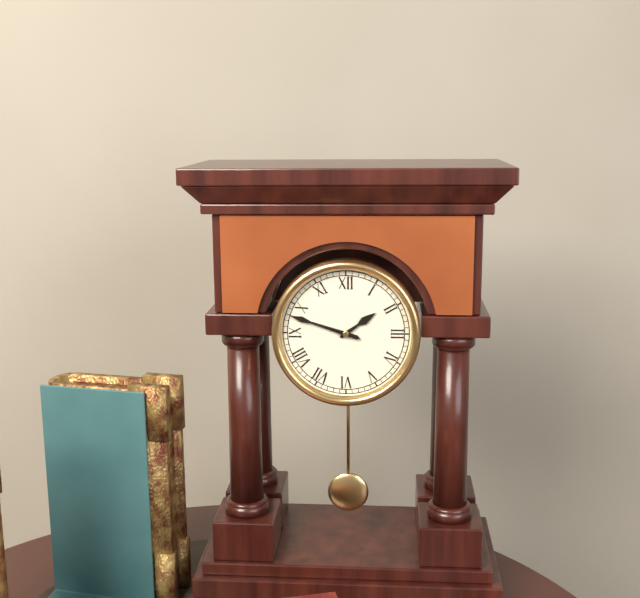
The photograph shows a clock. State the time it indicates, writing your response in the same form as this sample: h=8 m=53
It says h=1 m=48
